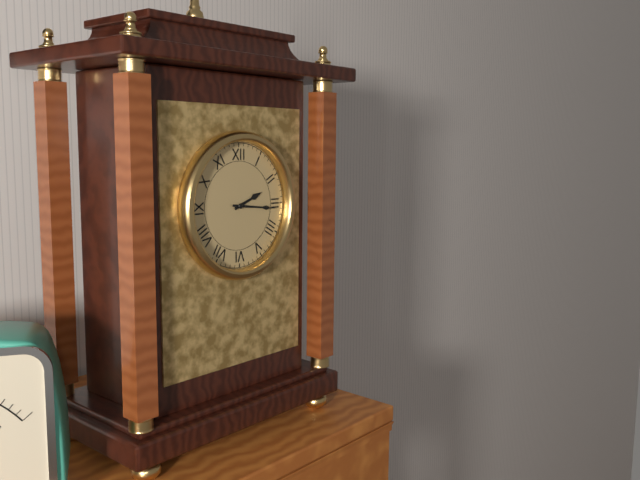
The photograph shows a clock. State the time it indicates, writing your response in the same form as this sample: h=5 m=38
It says h=2 m=16
